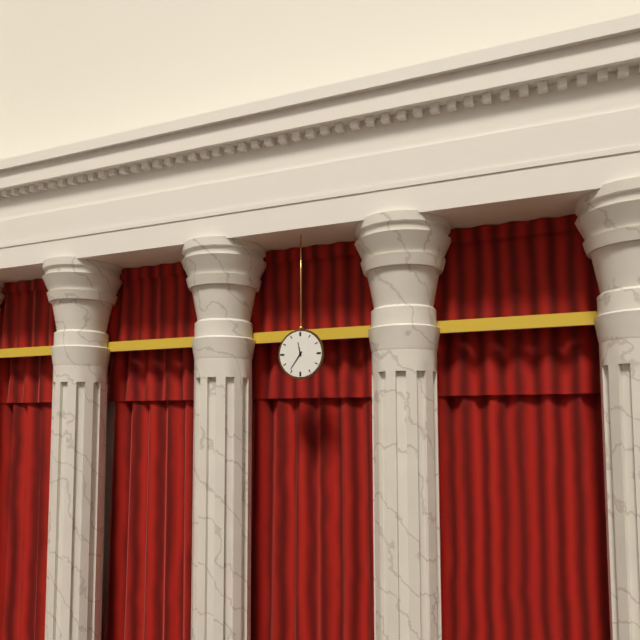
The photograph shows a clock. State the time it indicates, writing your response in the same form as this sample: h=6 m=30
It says h=11 m=36
